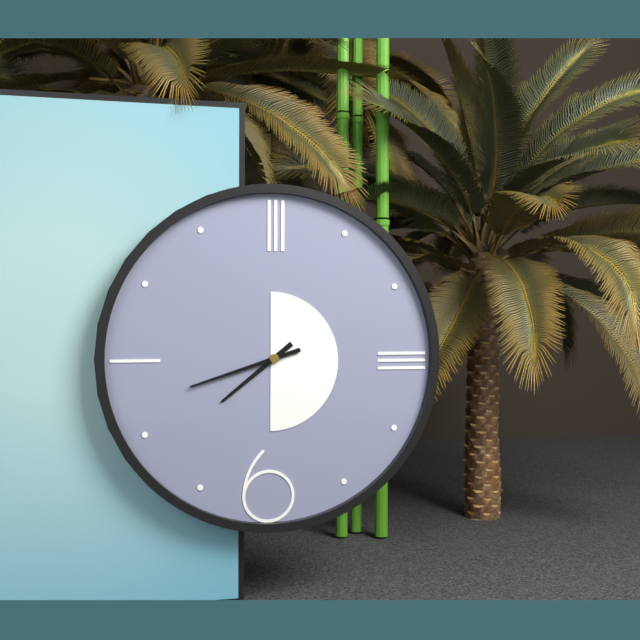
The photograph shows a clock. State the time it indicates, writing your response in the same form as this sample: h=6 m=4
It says h=7 m=42
